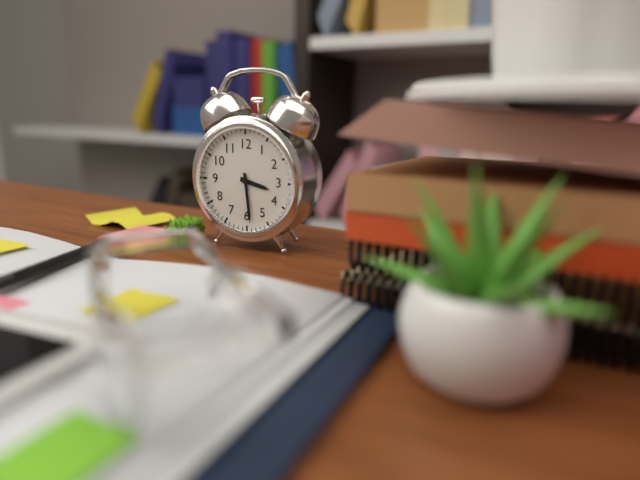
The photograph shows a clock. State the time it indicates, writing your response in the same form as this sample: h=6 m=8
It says h=3 m=29
